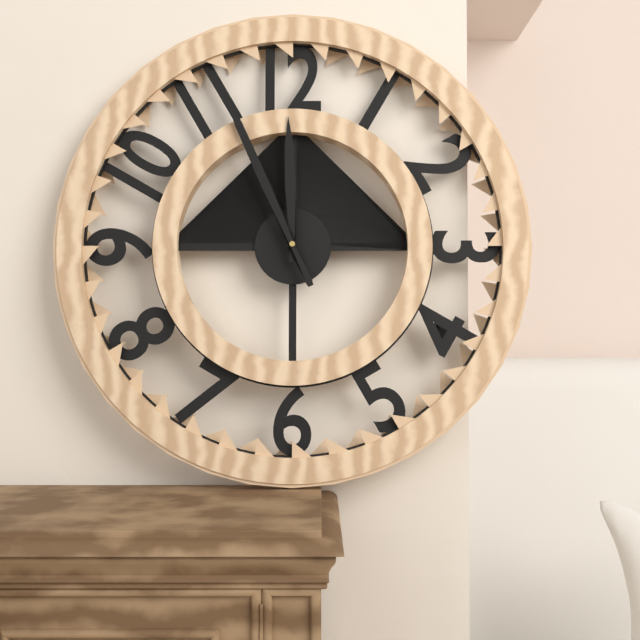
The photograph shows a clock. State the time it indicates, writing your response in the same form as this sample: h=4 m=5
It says h=11 m=56
